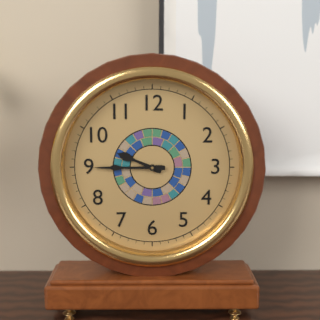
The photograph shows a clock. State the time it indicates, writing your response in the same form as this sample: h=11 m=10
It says h=9 m=45
